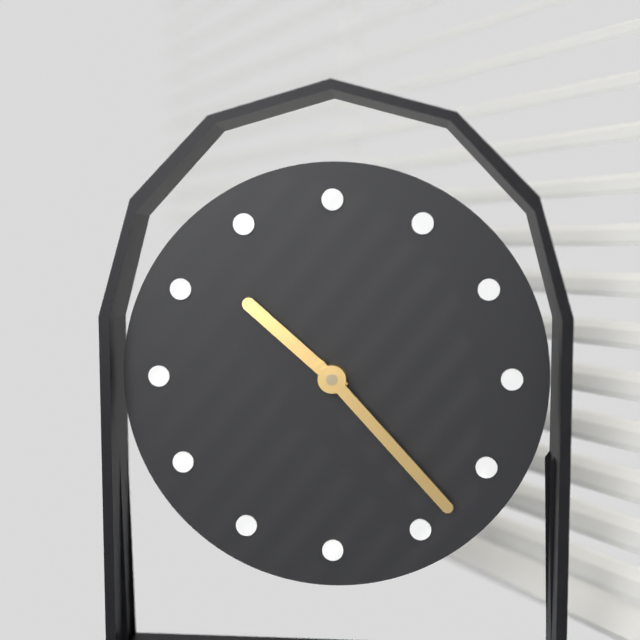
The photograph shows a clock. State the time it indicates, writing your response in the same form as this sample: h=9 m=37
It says h=10 m=23
